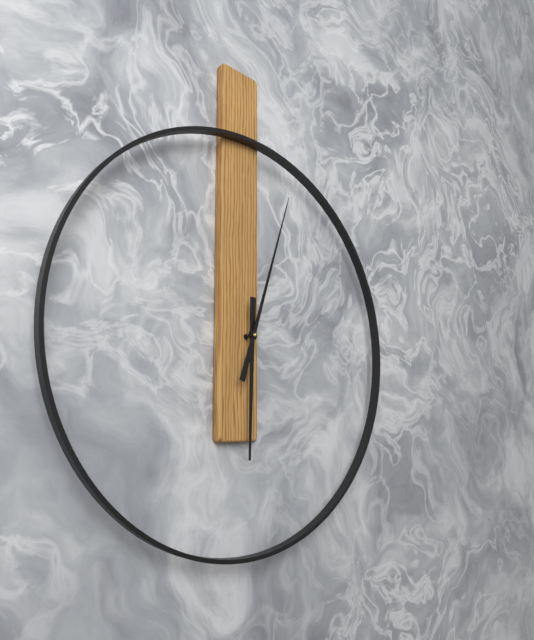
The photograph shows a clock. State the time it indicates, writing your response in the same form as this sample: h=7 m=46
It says h=6 m=3
